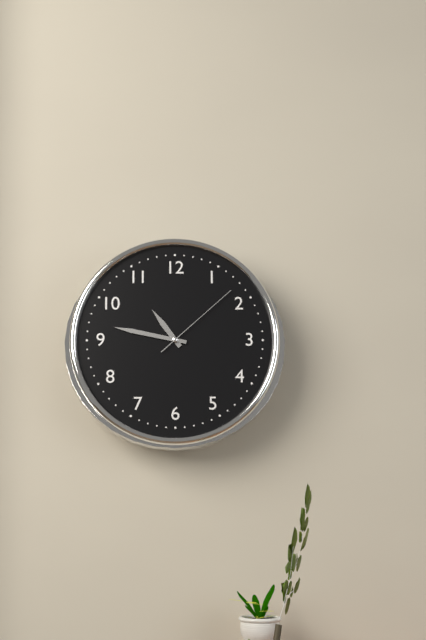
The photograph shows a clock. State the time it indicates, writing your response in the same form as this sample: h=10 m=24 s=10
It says h=10 m=47 s=8
